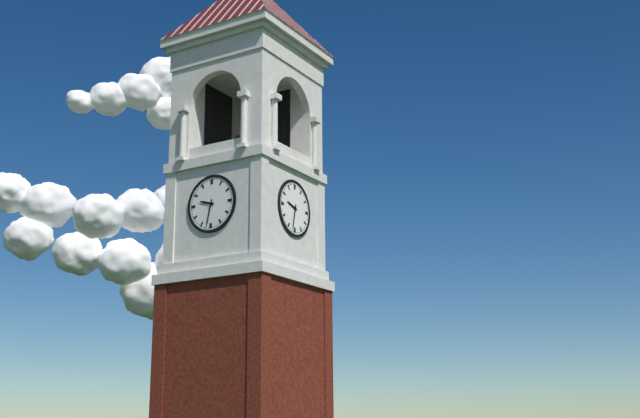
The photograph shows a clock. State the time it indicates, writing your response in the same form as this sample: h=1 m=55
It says h=9 m=32
